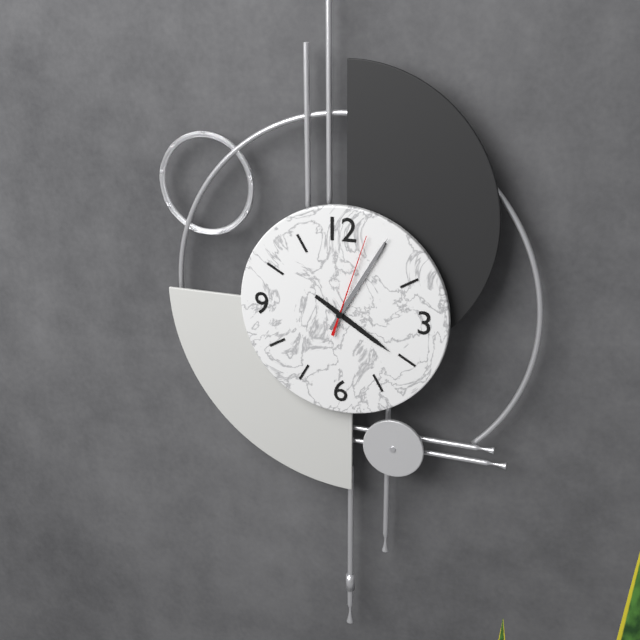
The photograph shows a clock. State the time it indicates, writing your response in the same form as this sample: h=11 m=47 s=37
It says h=4 m=5 s=3
